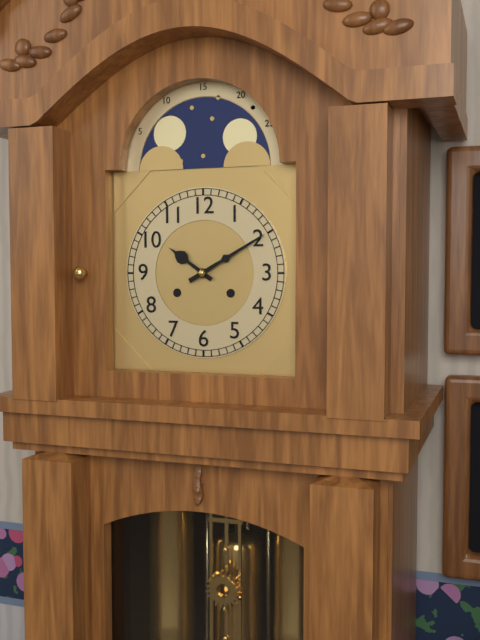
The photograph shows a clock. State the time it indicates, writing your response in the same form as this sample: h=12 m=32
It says h=10 m=10
